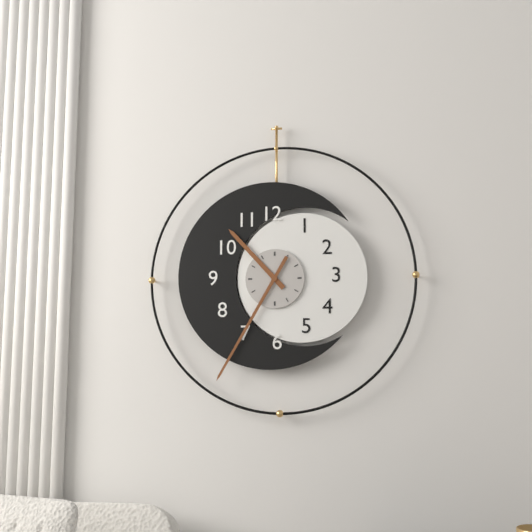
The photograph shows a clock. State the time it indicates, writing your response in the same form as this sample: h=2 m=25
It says h=10 m=35
